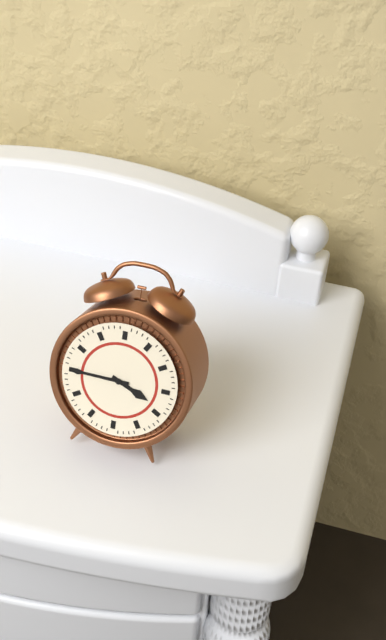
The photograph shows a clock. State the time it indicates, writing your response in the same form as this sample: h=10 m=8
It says h=3 m=45
